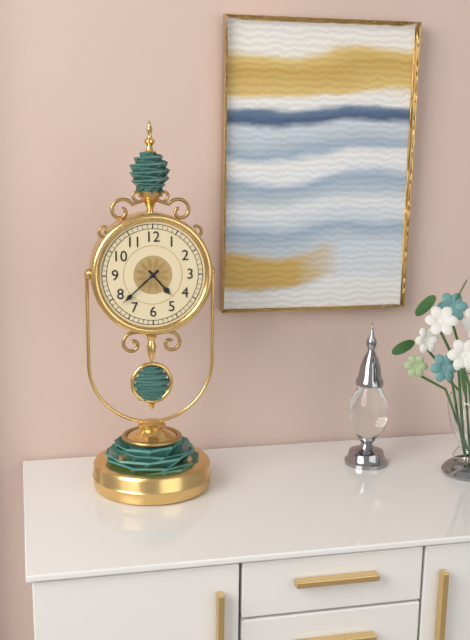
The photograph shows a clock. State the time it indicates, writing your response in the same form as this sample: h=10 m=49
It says h=4 m=38
